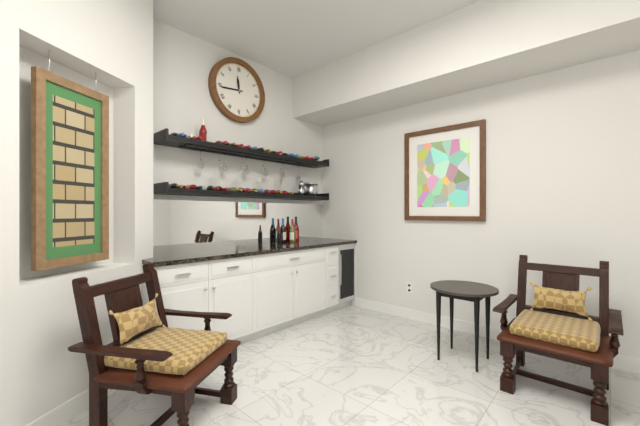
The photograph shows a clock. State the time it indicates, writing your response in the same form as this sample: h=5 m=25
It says h=11 m=44
